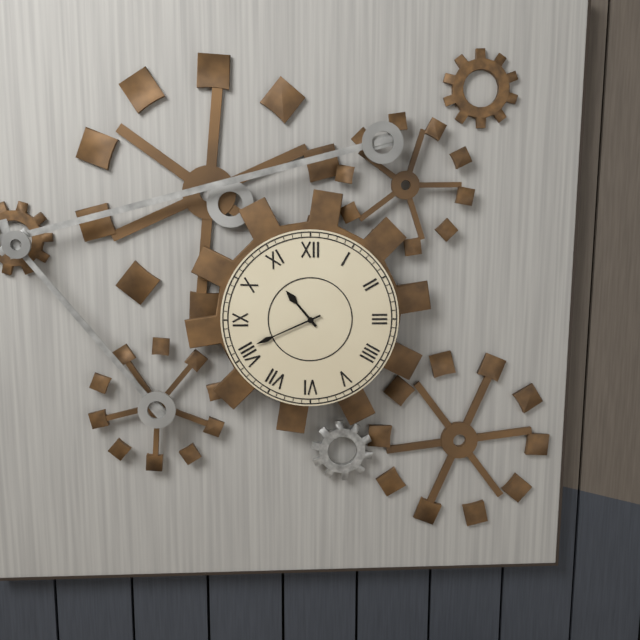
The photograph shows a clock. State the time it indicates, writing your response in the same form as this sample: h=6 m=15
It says h=10 m=41
